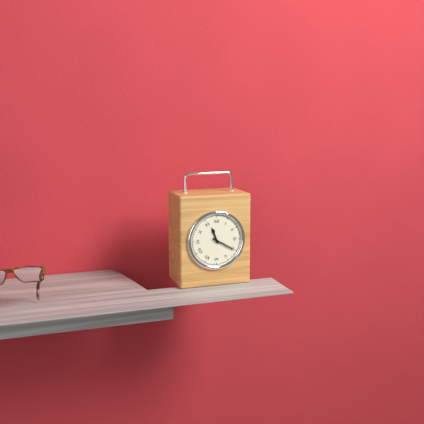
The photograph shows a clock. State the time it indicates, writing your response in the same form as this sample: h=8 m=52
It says h=11 m=20
